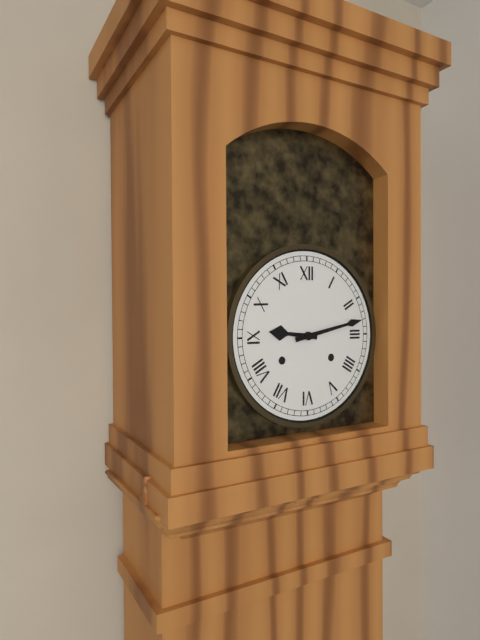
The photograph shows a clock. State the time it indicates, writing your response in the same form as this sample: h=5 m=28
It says h=9 m=13
